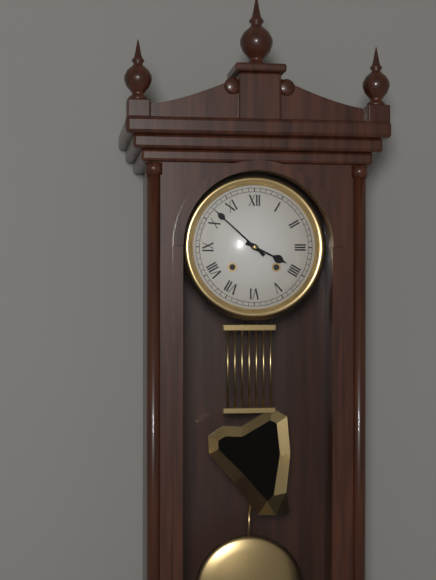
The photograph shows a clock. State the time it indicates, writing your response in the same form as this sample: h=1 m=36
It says h=3 m=52
